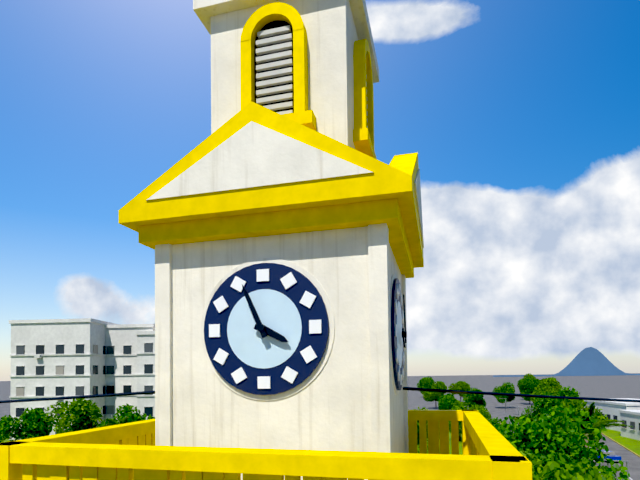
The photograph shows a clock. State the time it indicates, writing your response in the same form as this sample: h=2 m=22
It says h=3 m=56
